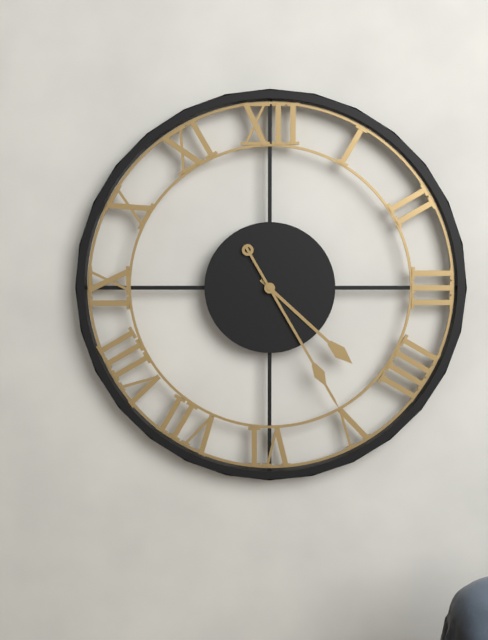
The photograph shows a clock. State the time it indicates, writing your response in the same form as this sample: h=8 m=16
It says h=4 m=25
